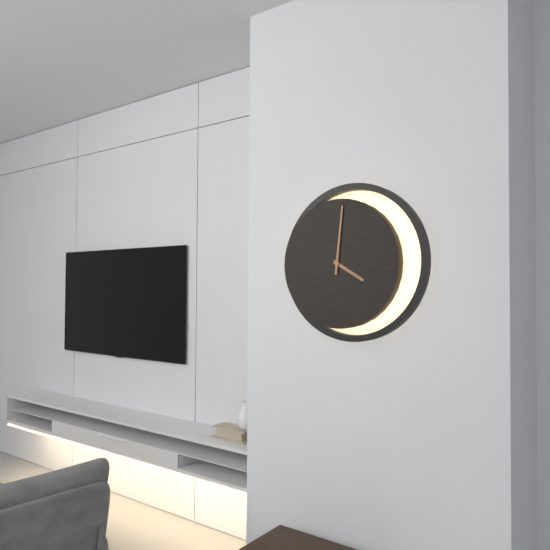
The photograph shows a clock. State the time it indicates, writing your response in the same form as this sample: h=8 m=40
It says h=4 m=1
